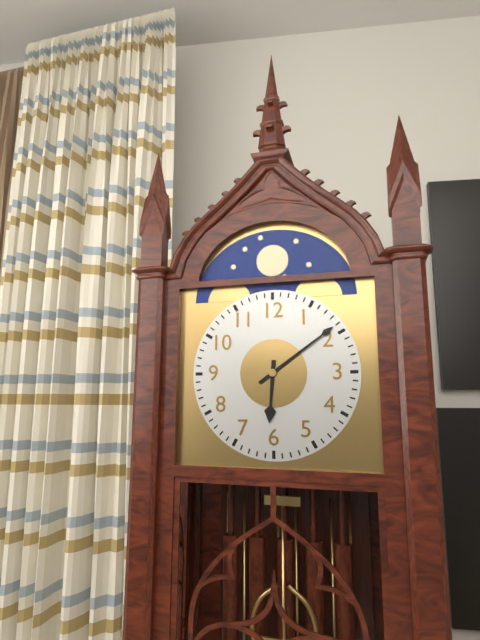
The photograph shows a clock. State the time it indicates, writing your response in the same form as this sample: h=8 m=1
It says h=6 m=9
